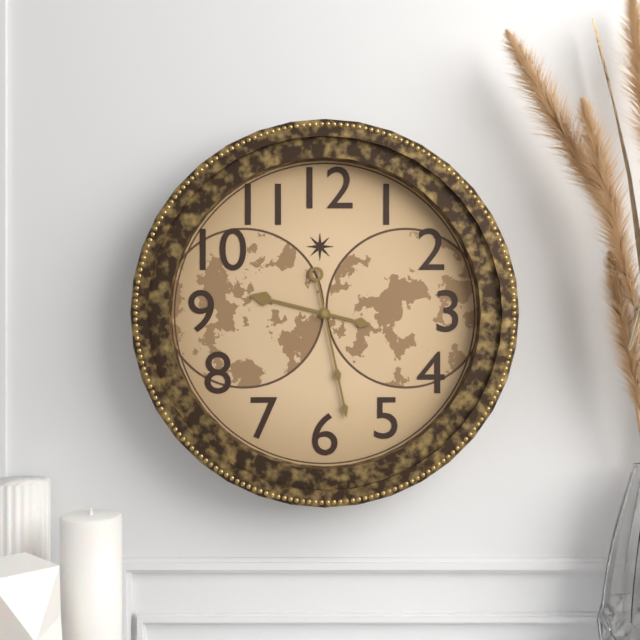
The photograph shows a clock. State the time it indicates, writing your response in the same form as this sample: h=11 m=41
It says h=9 m=28
